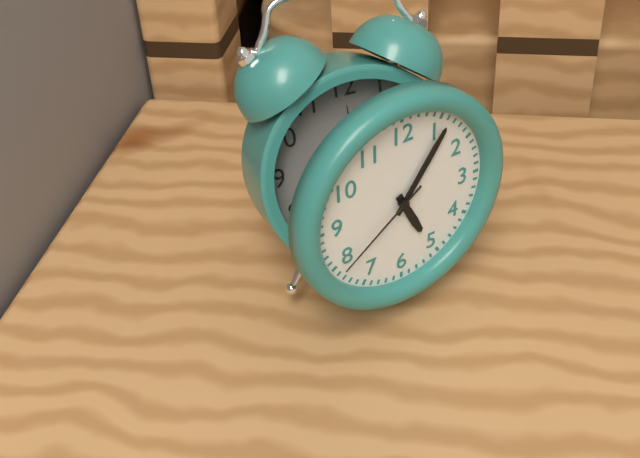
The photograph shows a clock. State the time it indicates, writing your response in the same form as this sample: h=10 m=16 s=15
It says h=5 m=6 s=39
